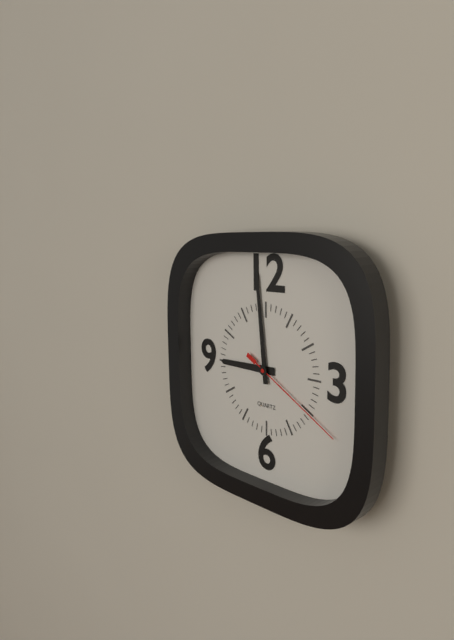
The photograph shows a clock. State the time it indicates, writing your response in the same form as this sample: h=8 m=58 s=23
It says h=8 m=59 s=20
